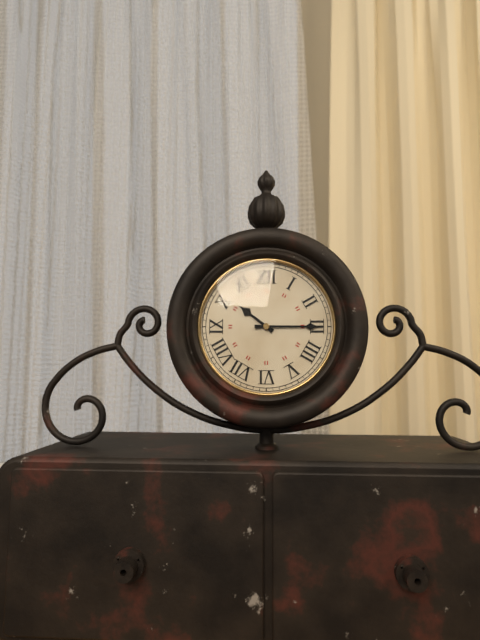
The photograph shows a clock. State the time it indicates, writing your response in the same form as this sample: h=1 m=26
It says h=10 m=15
